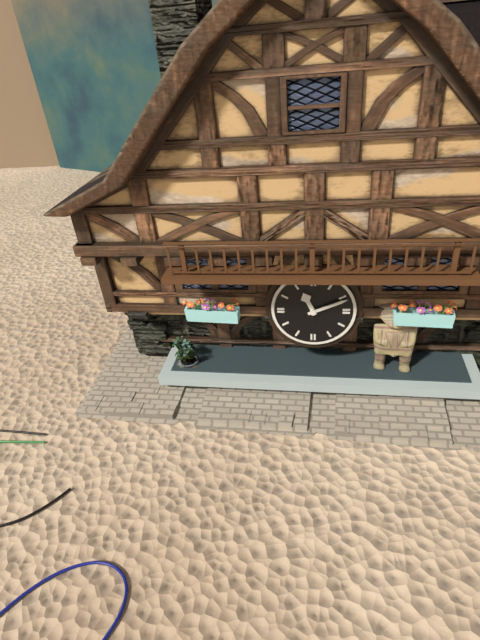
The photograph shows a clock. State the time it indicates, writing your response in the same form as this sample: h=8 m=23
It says h=11 m=11
